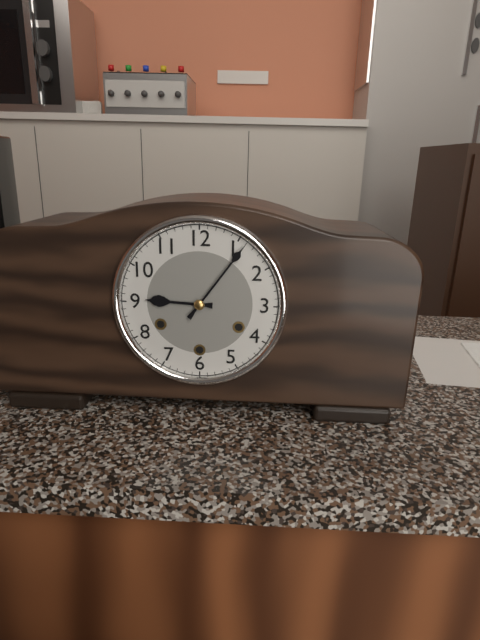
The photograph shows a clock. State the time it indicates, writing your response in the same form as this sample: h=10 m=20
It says h=9 m=6
